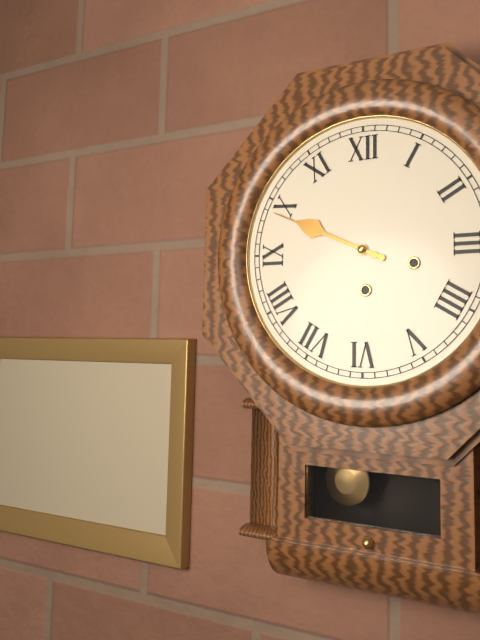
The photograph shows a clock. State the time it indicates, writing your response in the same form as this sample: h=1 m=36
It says h=9 m=49
